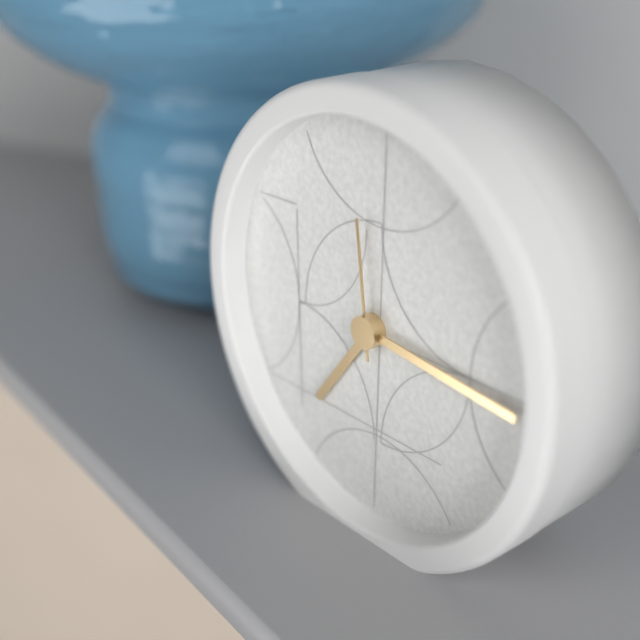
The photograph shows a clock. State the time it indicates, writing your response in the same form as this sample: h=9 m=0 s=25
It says h=7 m=16 s=59
